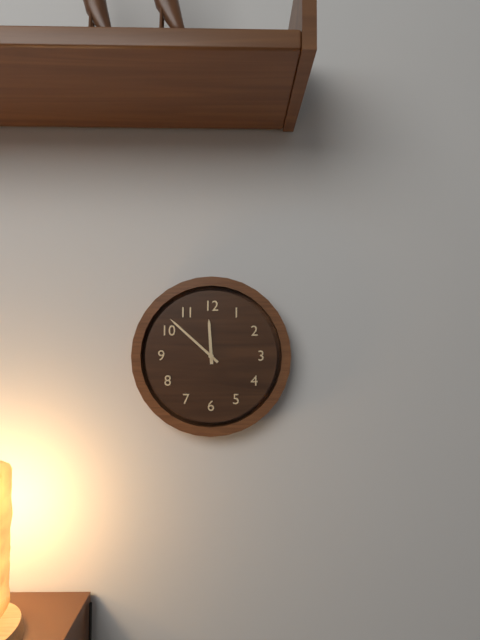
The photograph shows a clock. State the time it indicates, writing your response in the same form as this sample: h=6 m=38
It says h=11 m=52
